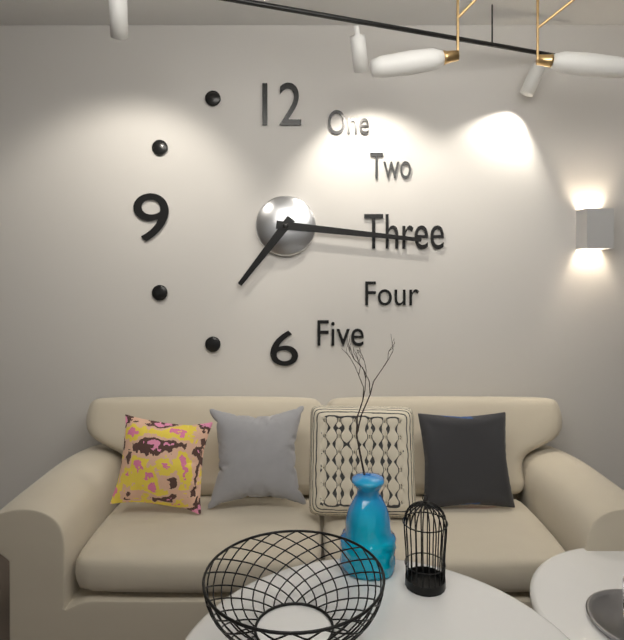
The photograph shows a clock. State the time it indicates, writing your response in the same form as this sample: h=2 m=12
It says h=7 m=16
